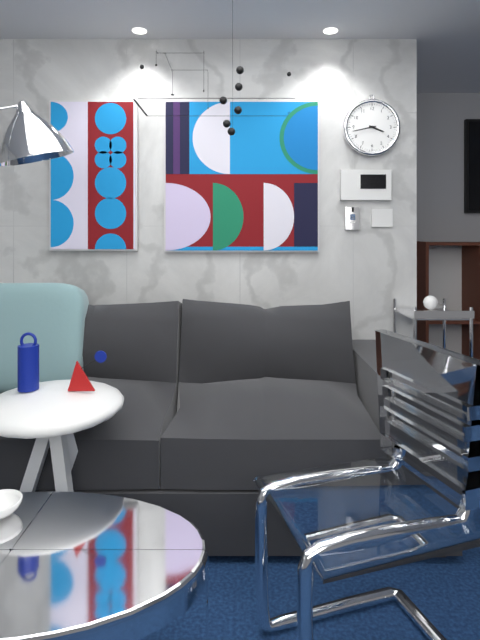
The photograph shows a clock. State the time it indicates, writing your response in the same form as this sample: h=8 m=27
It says h=3 m=43
